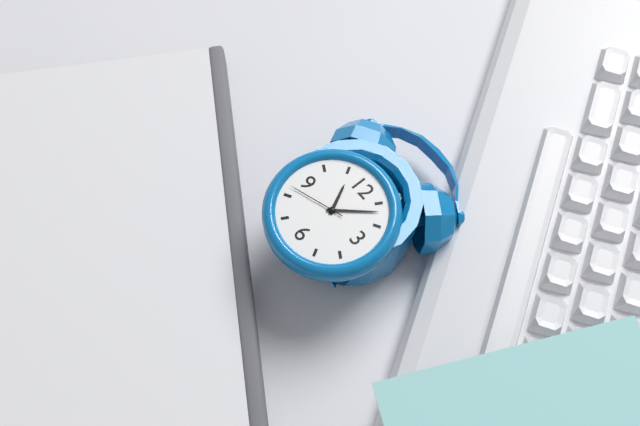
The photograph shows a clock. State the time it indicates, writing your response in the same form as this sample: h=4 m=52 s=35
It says h=11 m=7 s=42
